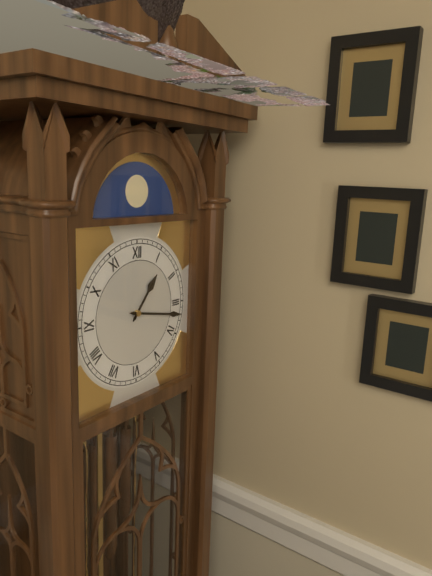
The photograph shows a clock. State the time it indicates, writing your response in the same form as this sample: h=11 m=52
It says h=1 m=17
